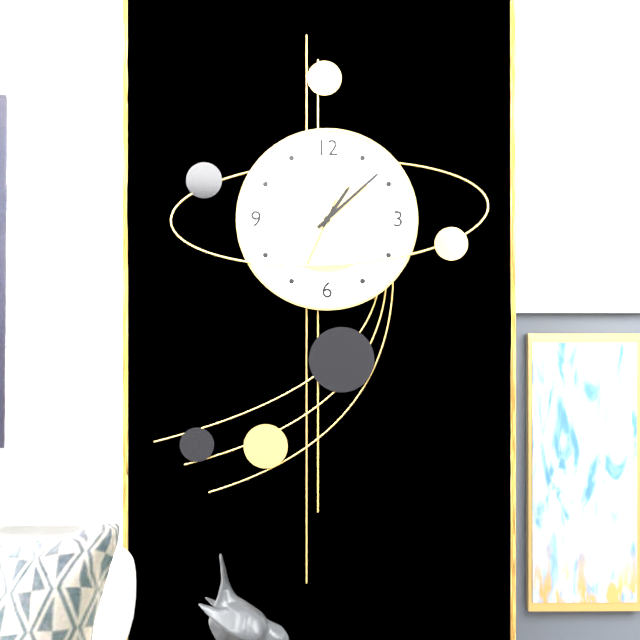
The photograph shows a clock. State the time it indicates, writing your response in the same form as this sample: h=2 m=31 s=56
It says h=1 m=8 s=34
